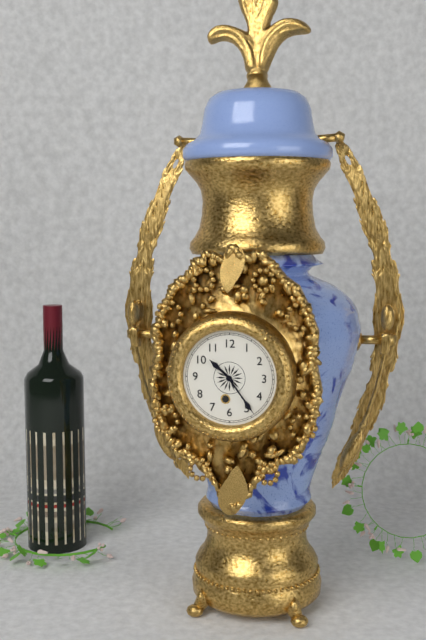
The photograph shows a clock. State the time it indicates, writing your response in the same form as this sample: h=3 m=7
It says h=10 m=24
